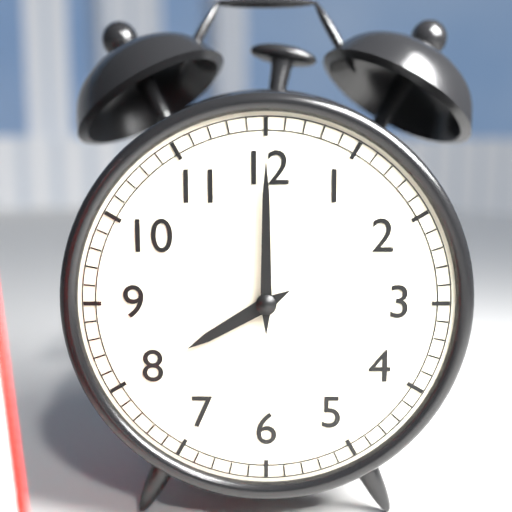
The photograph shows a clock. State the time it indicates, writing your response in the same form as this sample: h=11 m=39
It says h=8 m=0
